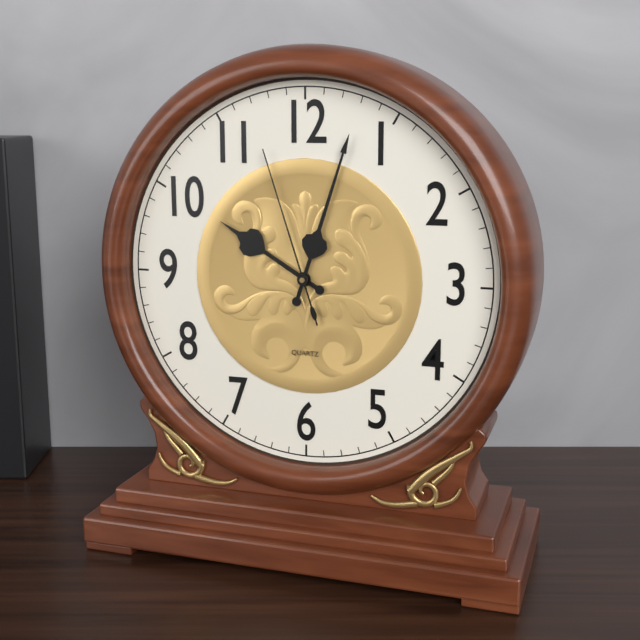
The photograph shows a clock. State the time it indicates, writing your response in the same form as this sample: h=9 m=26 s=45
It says h=10 m=3 s=57
